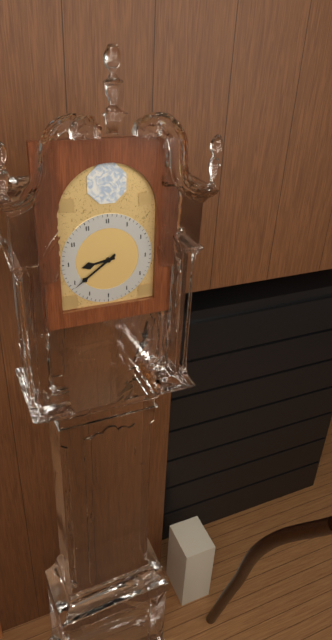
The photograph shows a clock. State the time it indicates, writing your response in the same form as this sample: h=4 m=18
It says h=8 m=39
